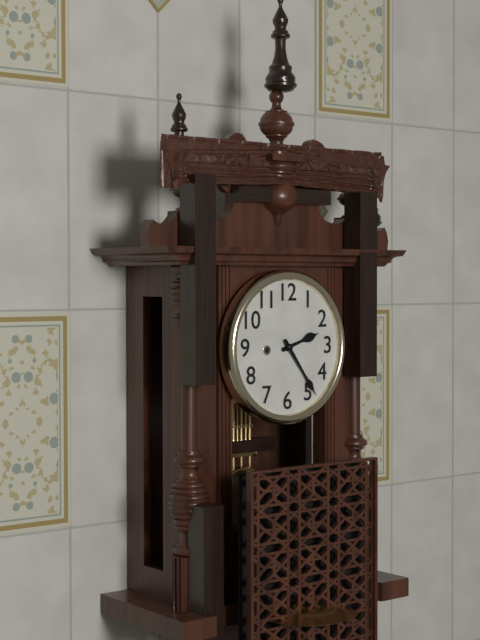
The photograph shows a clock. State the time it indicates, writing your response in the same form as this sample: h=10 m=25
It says h=2 m=24
